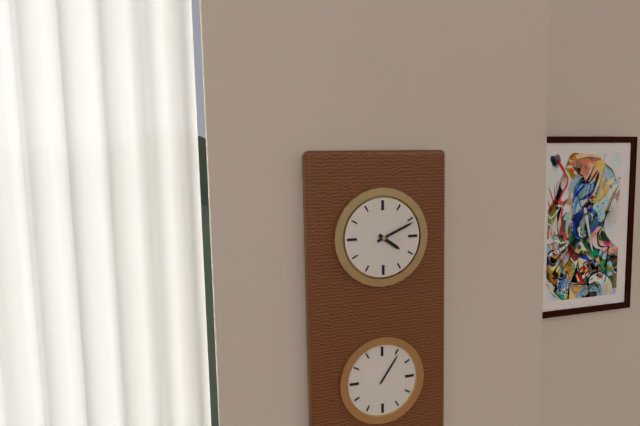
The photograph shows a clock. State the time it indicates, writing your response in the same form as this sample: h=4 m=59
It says h=4 m=11
